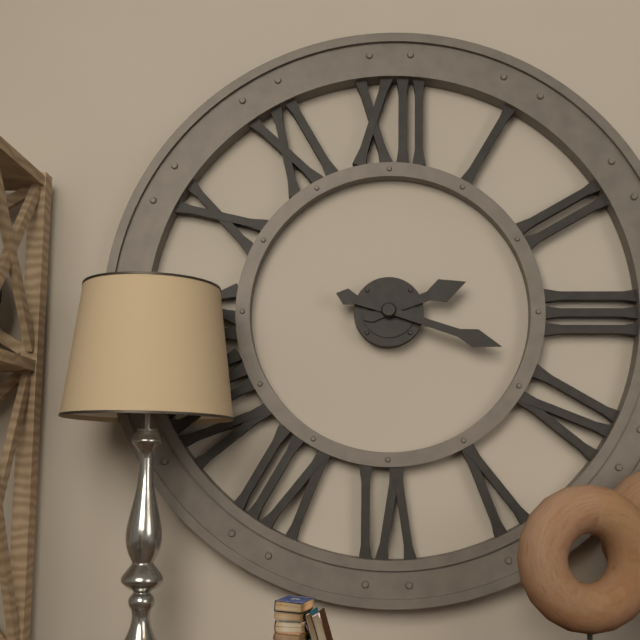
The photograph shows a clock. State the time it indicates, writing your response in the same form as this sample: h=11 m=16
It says h=2 m=18
